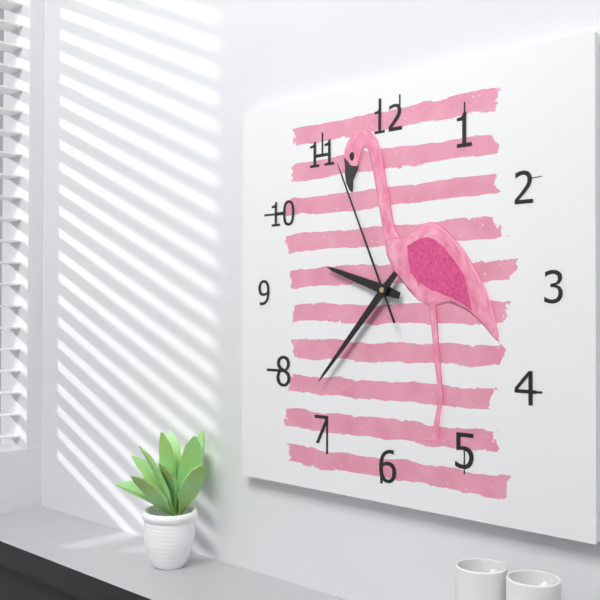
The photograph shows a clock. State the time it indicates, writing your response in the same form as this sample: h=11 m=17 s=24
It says h=9 m=37 s=56
